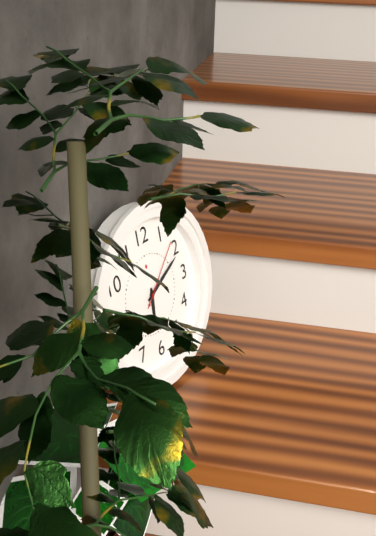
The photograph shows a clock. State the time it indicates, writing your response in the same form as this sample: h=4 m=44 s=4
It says h=6 m=11 s=8
